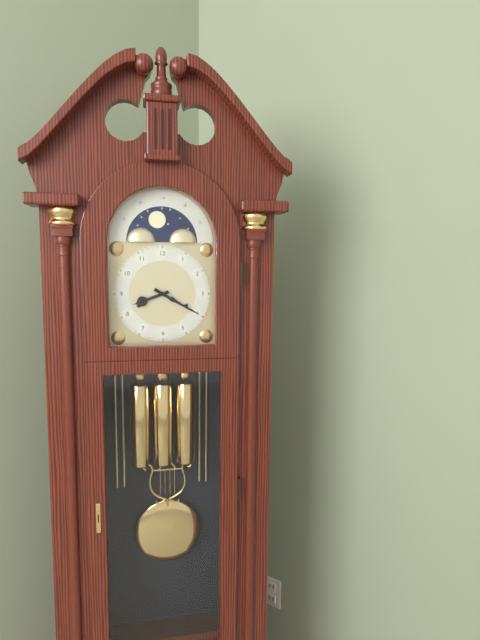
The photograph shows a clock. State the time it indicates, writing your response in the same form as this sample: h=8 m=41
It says h=8 m=20
